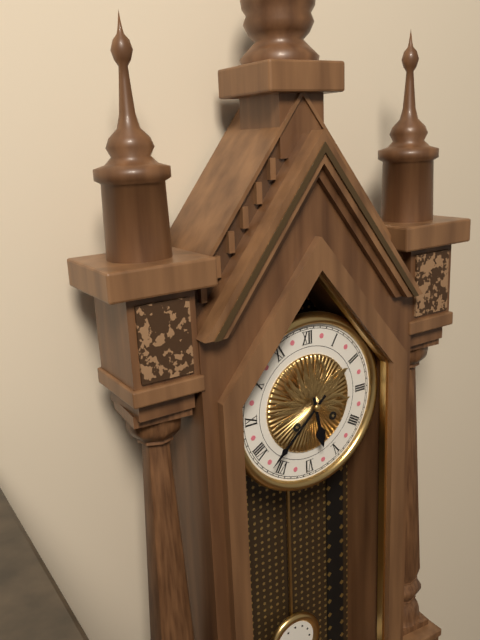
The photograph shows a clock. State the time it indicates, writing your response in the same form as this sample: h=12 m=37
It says h=5 m=38
